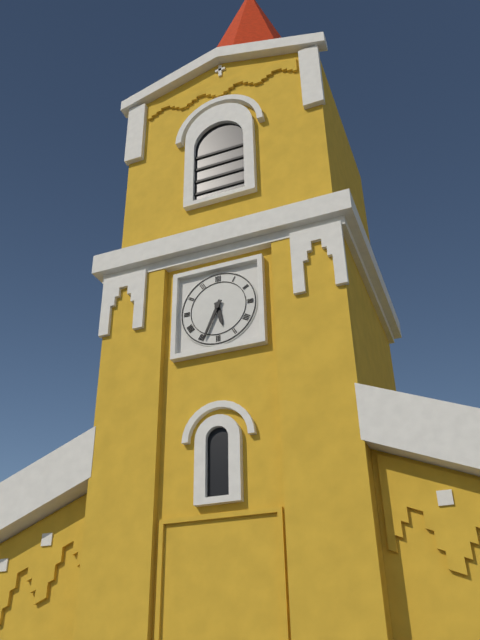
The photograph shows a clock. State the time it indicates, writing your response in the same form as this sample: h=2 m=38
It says h=5 m=34
